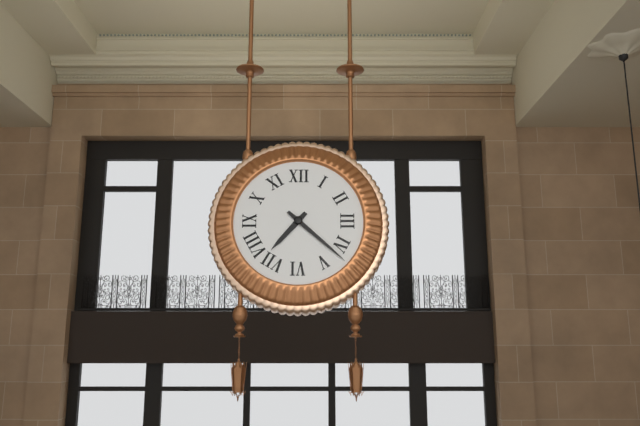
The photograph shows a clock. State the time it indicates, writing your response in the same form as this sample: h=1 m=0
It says h=7 m=22
